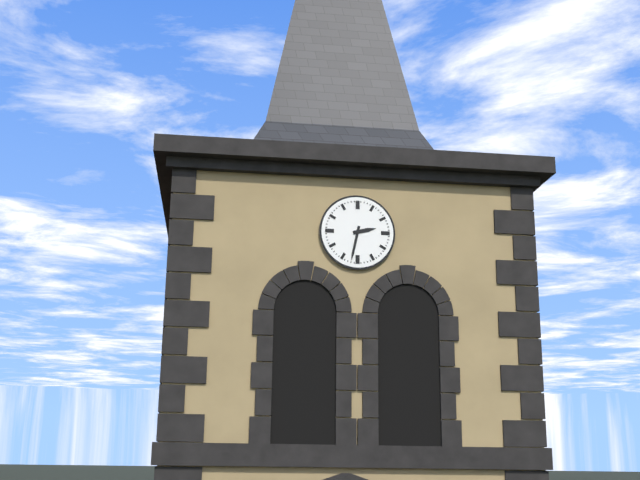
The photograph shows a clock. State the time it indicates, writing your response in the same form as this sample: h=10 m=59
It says h=2 m=32
